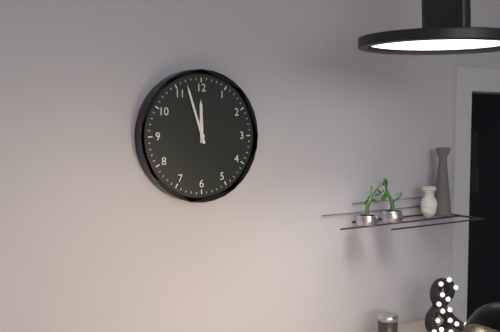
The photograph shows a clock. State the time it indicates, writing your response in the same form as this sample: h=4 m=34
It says h=11 m=57
